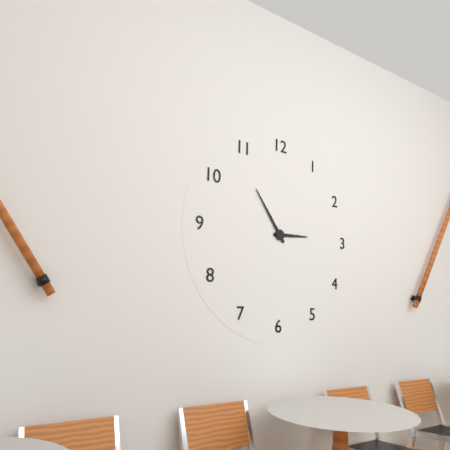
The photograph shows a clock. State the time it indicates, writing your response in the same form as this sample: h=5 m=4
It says h=2 m=54
